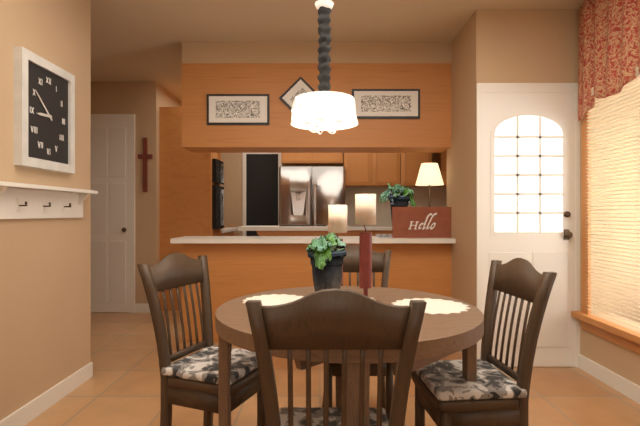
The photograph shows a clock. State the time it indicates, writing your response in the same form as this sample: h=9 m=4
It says h=8 m=52
